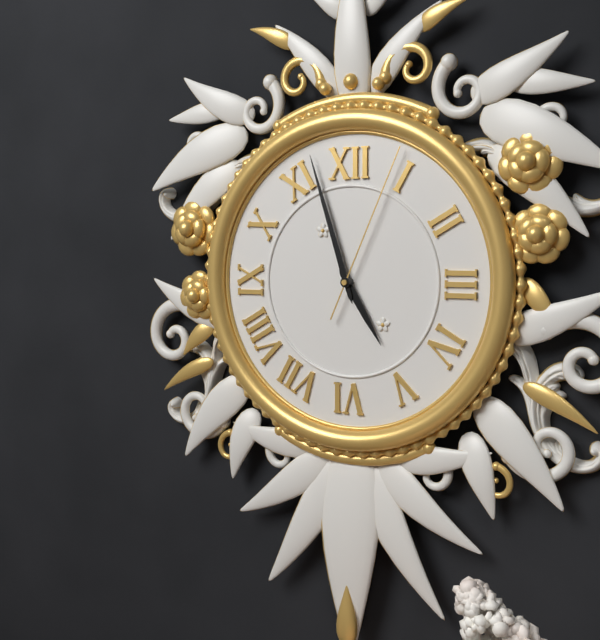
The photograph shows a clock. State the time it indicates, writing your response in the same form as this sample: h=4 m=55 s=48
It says h=4 m=57 s=4
